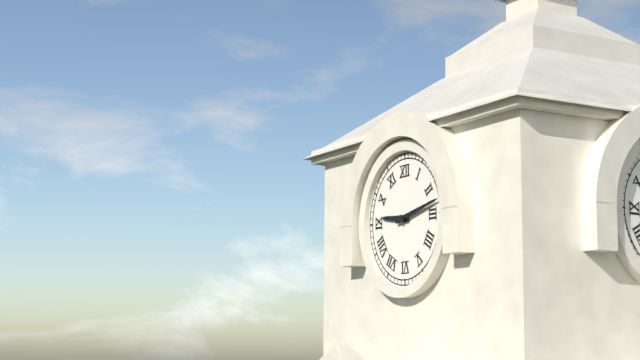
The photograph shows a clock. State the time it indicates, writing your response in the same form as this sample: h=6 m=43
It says h=9 m=13
